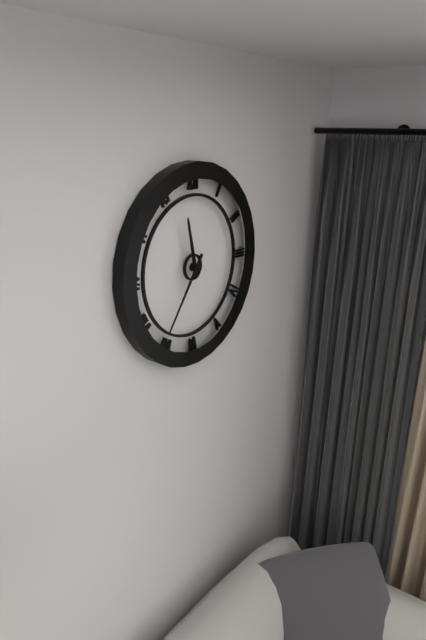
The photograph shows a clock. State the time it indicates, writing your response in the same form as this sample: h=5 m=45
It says h=11 m=36
